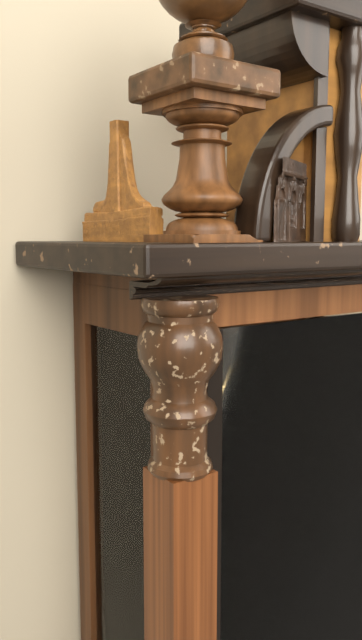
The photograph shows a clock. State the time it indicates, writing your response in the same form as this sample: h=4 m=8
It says h=6 m=3
